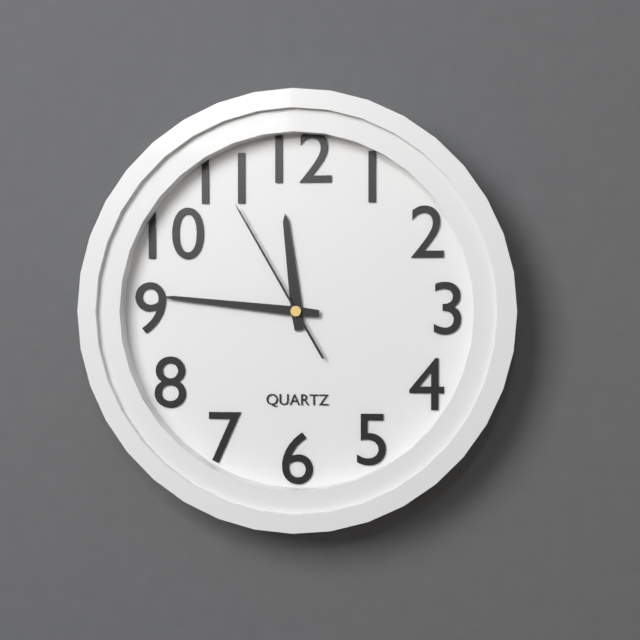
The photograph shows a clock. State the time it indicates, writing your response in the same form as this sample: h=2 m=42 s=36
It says h=11 m=46 s=55
